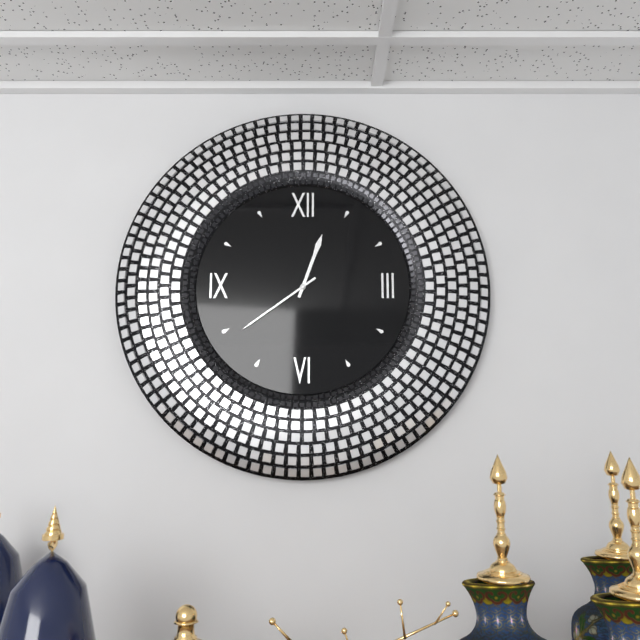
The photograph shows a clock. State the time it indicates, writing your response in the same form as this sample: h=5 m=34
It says h=12 m=39
